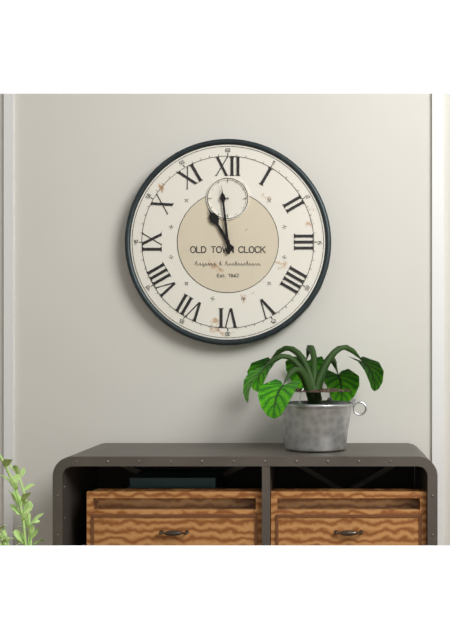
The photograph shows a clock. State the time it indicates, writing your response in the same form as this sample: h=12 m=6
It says h=10 m=59
